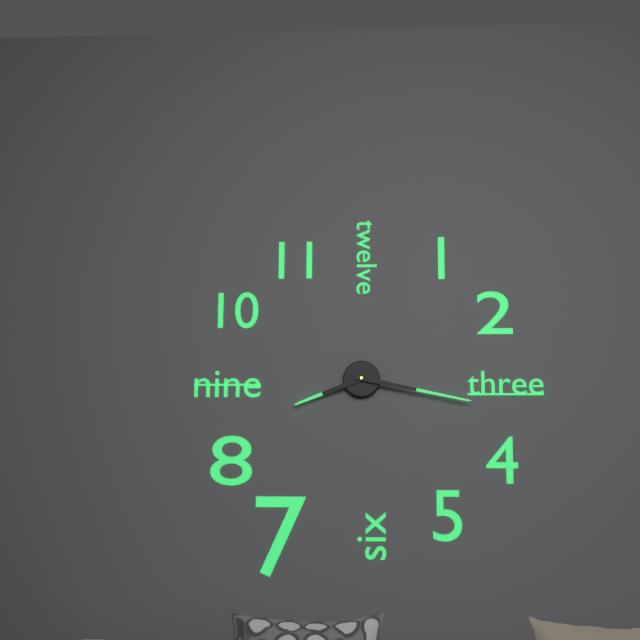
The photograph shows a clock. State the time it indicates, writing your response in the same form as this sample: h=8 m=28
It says h=8 m=17
